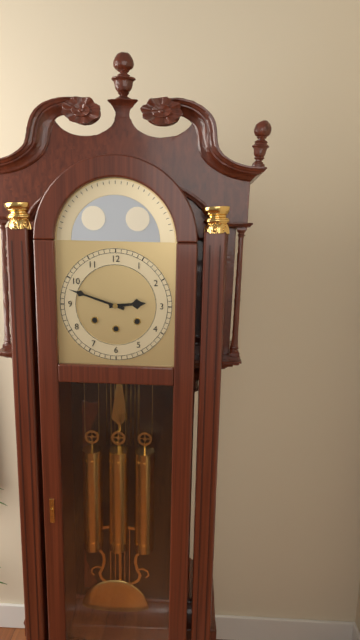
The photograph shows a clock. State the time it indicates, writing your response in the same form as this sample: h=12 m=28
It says h=2 m=48
